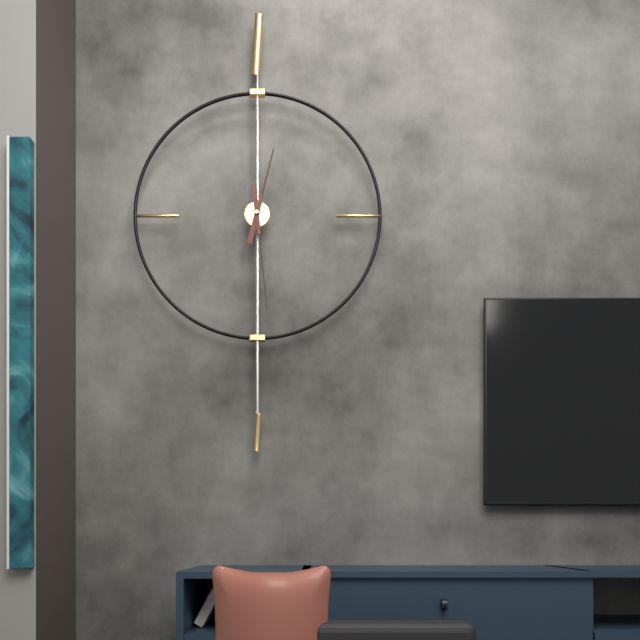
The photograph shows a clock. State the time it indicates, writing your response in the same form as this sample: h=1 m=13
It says h=12 m=29
